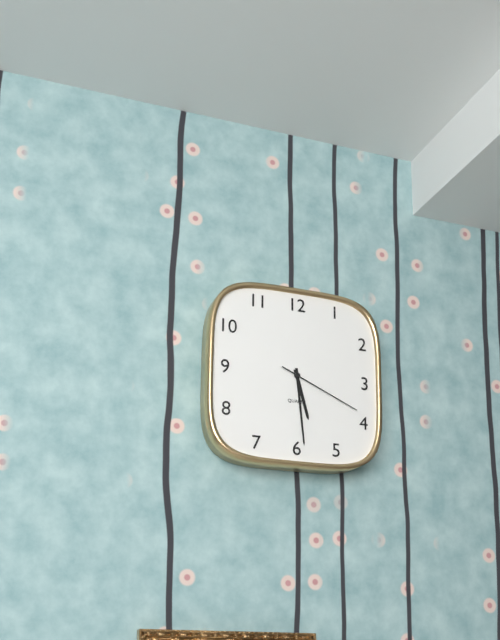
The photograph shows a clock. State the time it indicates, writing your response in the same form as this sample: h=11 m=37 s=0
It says h=5 m=29 s=19
